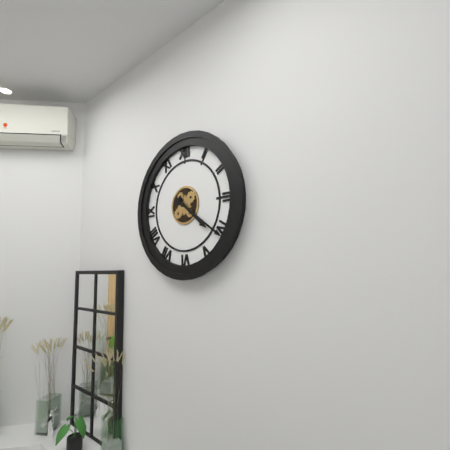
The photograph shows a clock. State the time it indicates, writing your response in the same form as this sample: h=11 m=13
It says h=4 m=21
